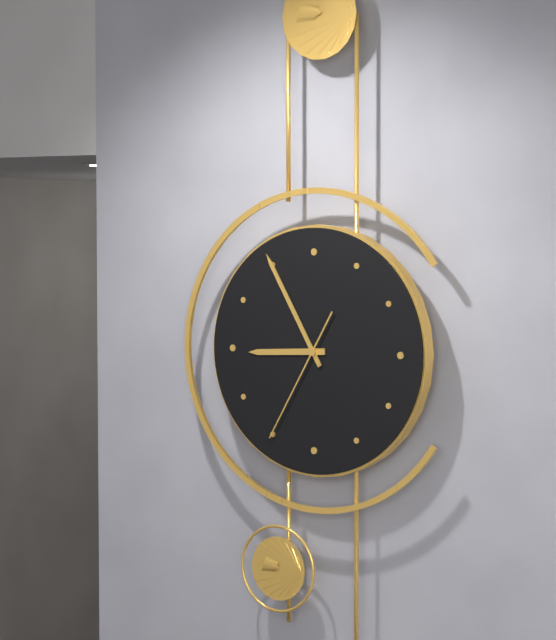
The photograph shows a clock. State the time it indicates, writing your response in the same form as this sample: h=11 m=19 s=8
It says h=8 m=55 s=35
